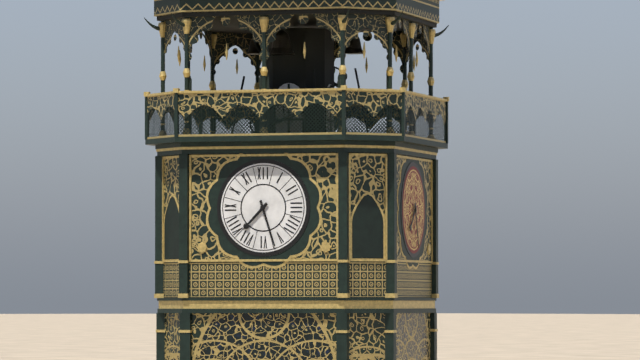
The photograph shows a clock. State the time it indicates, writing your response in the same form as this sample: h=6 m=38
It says h=7 m=27
